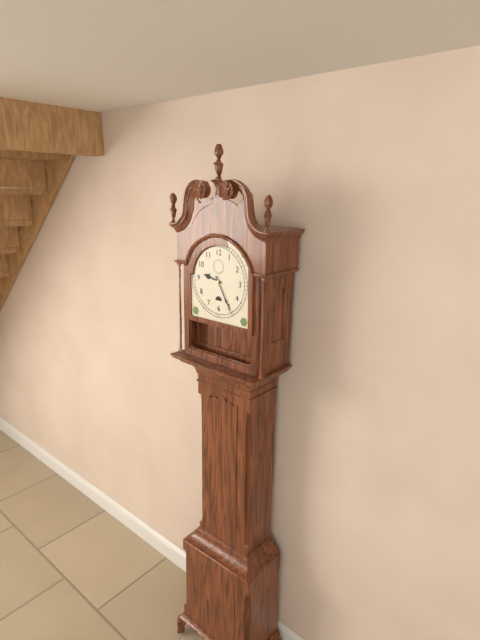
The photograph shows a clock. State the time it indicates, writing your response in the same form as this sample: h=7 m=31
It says h=9 m=25
